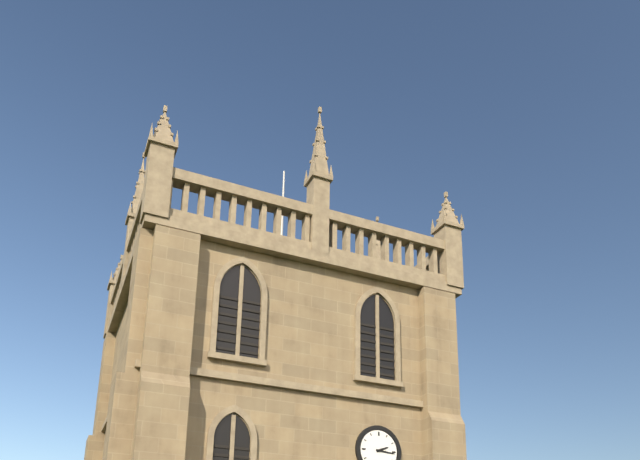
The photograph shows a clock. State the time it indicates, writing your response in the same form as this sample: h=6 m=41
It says h=2 m=16
